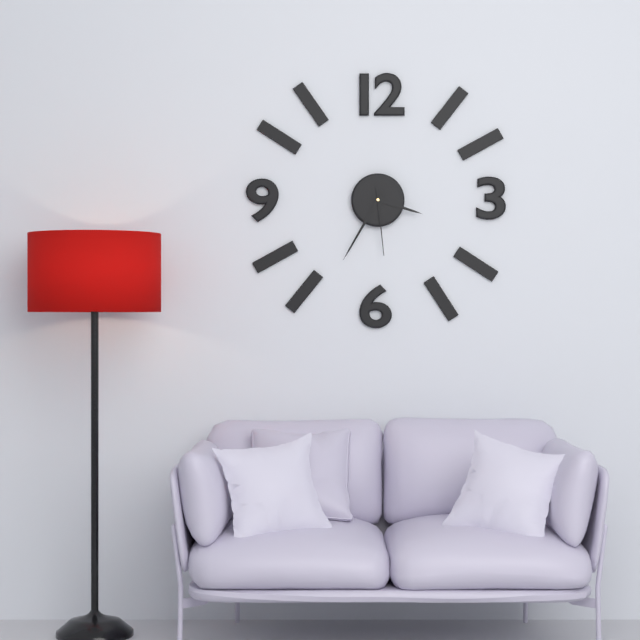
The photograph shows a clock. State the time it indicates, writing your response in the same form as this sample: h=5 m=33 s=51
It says h=3 m=35 s=29
